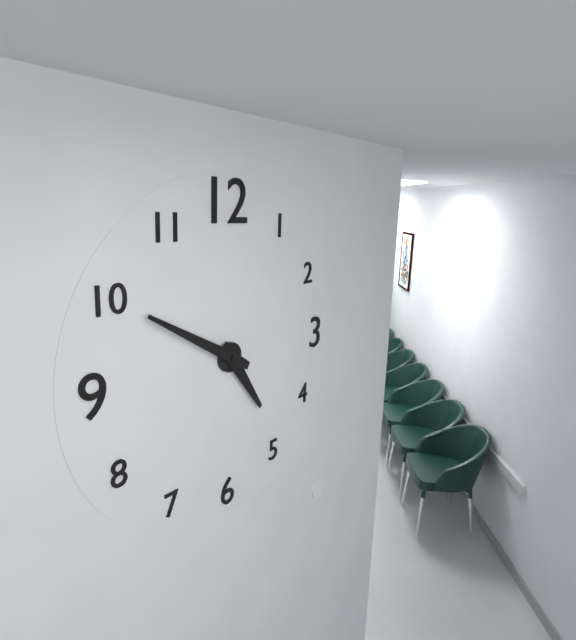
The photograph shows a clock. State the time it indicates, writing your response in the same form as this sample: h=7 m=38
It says h=4 m=50
